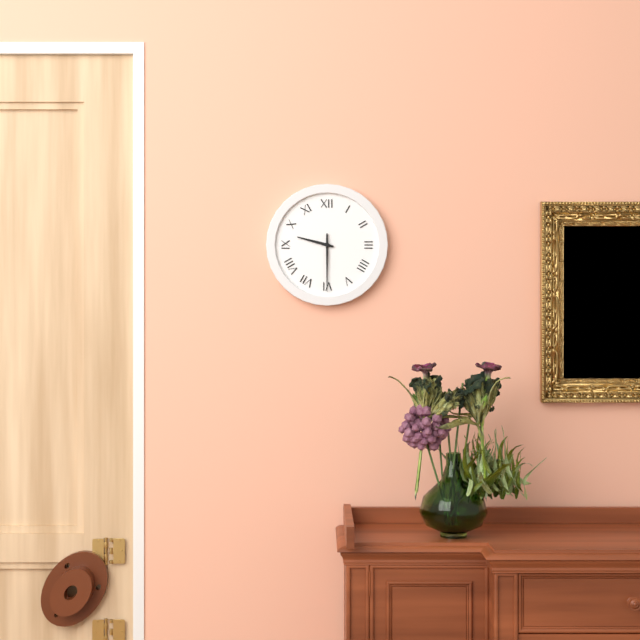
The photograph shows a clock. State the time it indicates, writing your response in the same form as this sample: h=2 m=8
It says h=9 m=30
